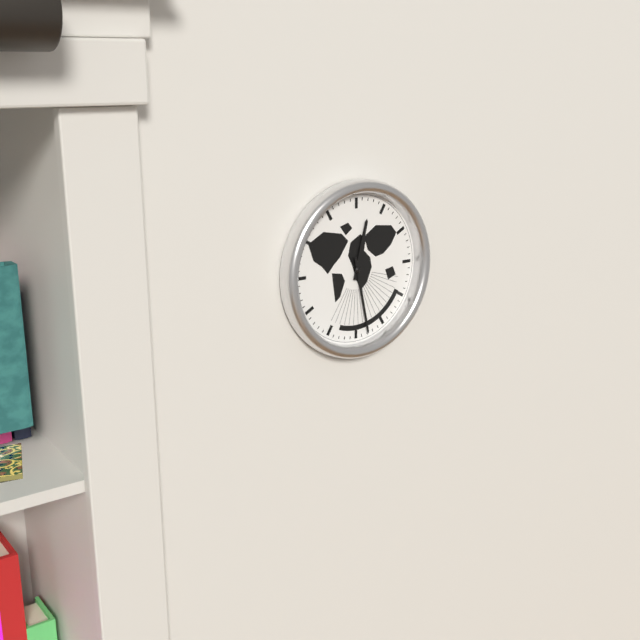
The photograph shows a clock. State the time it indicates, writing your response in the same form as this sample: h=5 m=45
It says h=12 m=28
